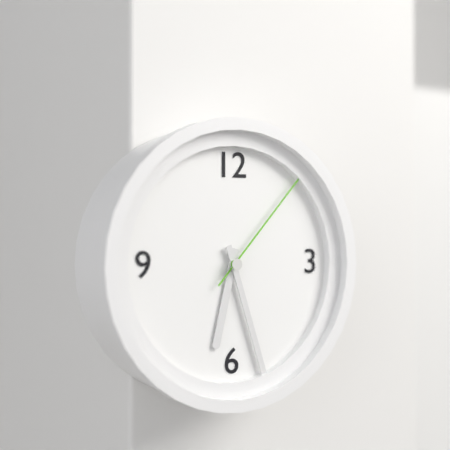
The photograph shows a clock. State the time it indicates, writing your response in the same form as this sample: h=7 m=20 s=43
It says h=6 m=27 s=7
